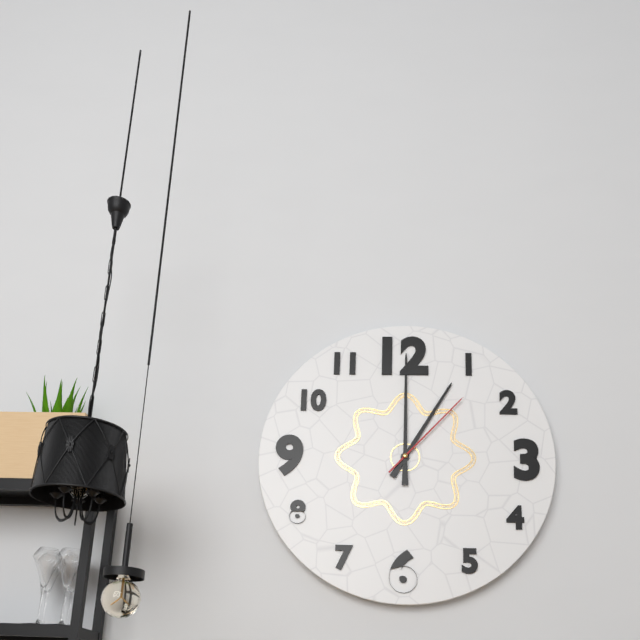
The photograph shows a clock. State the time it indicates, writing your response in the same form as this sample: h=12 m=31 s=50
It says h=1 m=0 s=7
